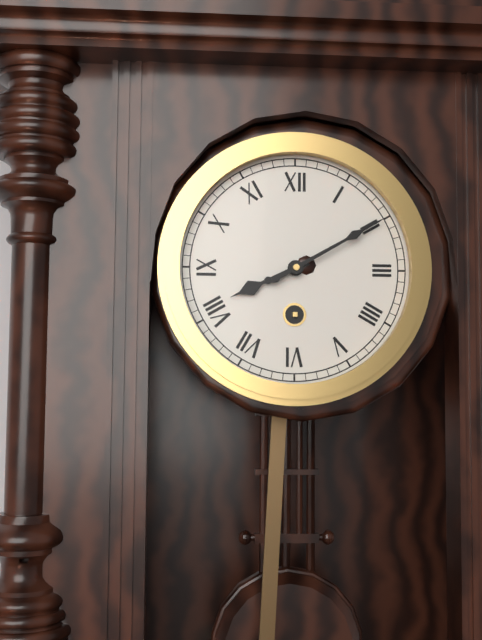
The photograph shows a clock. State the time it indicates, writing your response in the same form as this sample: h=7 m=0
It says h=8 m=10
